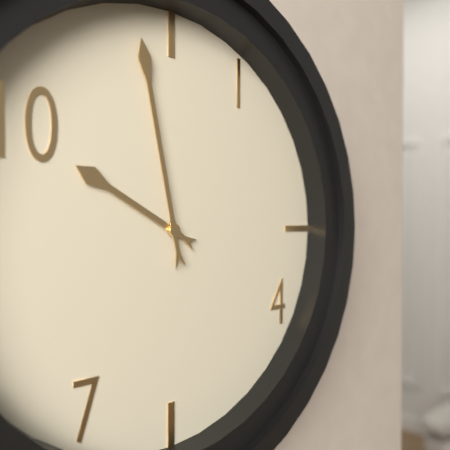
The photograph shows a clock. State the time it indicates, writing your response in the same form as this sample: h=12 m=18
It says h=9 m=58
